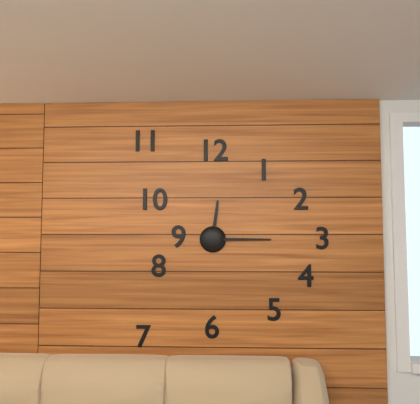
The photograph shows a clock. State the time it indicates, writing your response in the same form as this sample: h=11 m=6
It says h=12 m=15
